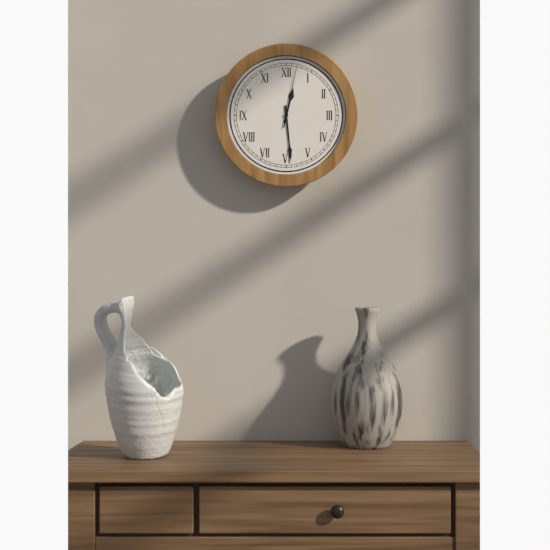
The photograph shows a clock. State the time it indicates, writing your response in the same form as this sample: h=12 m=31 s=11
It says h=12 m=29 s=2
